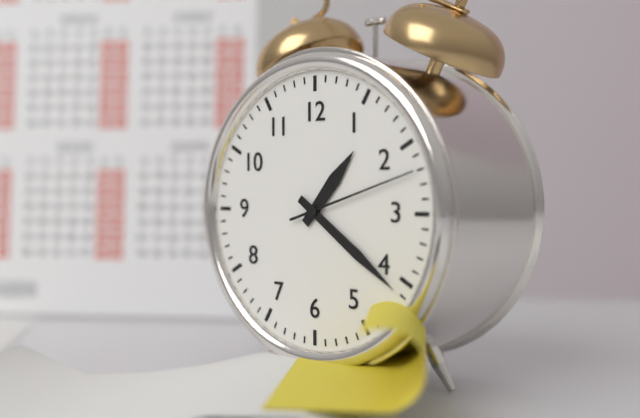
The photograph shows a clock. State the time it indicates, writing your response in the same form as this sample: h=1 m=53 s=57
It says h=1 m=21 s=12
